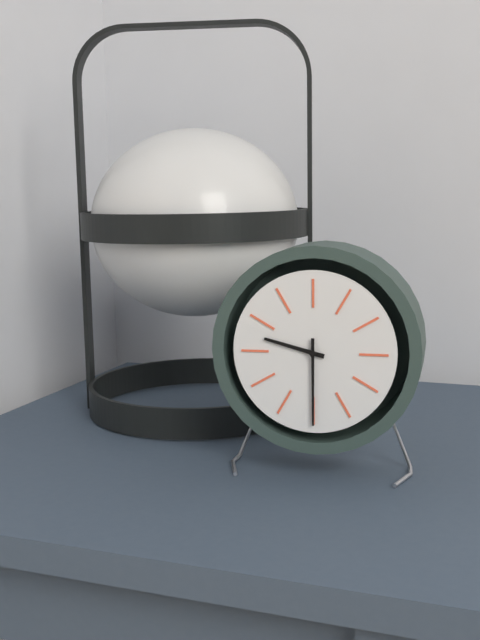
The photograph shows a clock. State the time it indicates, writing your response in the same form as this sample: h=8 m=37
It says h=9 m=30
